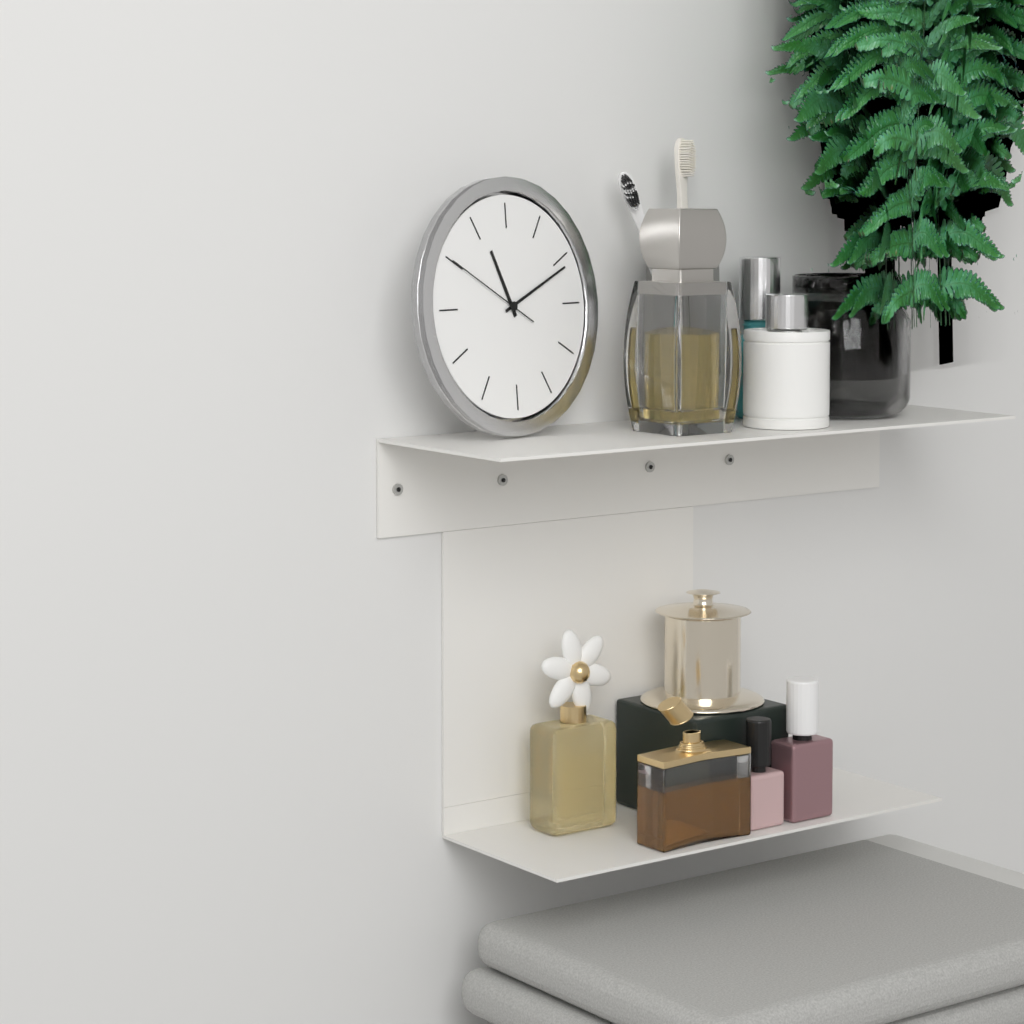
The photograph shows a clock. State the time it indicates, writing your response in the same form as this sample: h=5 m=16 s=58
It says h=11 m=11 s=50
